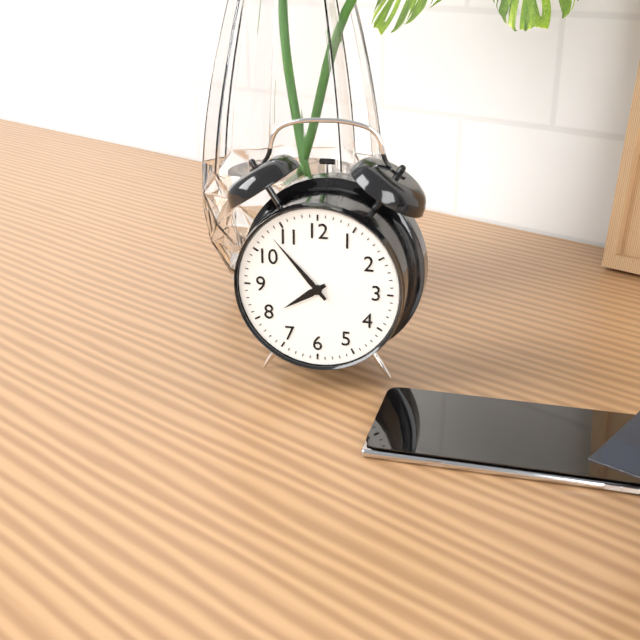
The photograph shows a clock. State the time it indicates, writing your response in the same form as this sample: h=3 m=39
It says h=7 m=53
